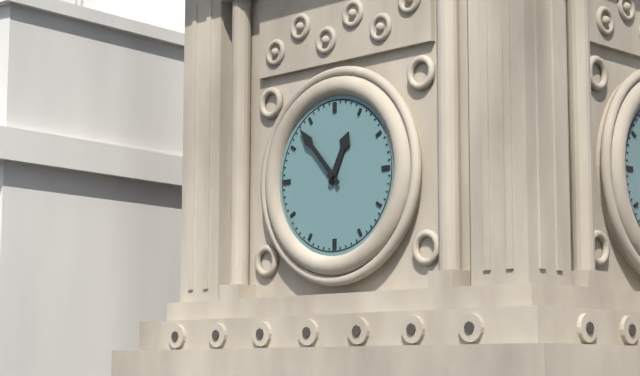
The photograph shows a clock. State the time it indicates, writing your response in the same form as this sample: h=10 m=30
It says h=12 m=53
